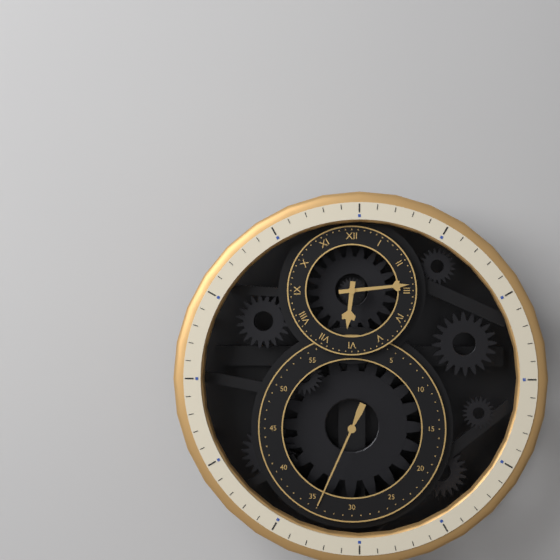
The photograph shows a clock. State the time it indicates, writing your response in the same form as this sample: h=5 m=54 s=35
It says h=6 m=14 s=34
